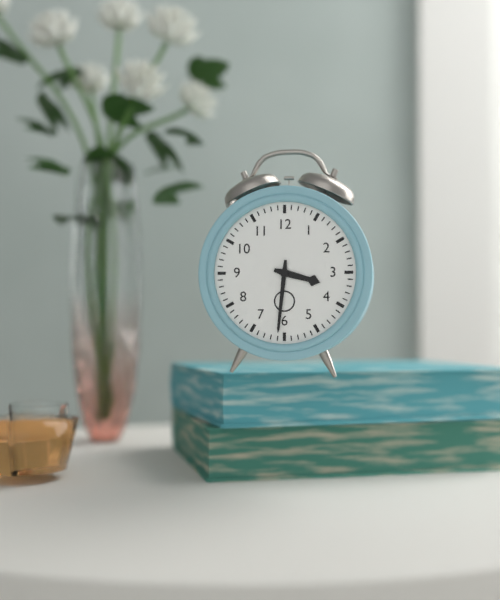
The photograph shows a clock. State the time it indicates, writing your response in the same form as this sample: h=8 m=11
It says h=3 m=31
